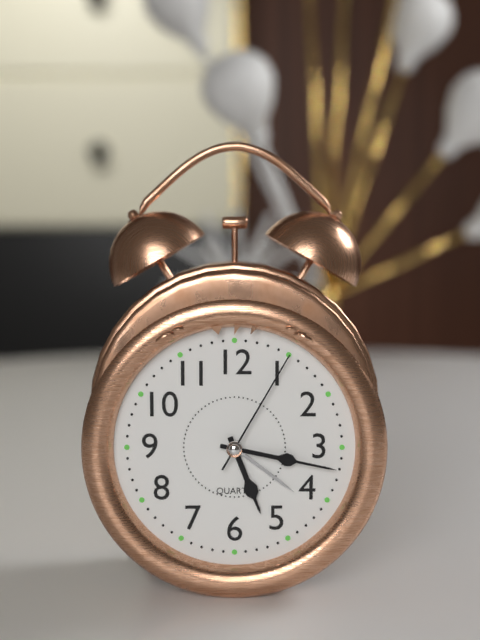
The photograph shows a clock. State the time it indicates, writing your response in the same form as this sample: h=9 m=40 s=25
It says h=5 m=17 s=5
